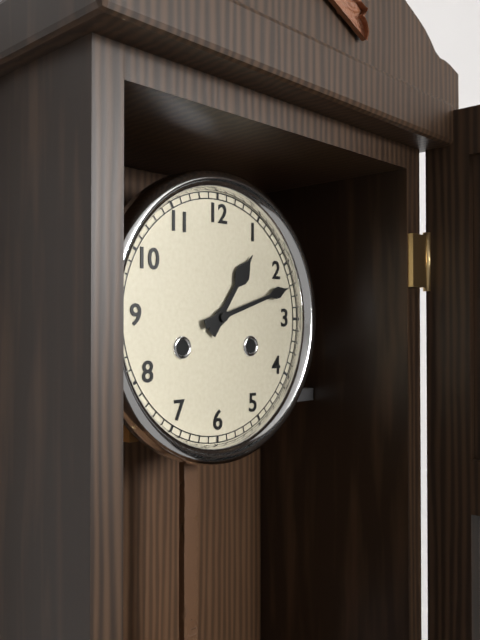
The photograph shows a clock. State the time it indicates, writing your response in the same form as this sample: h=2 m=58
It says h=1 m=12
